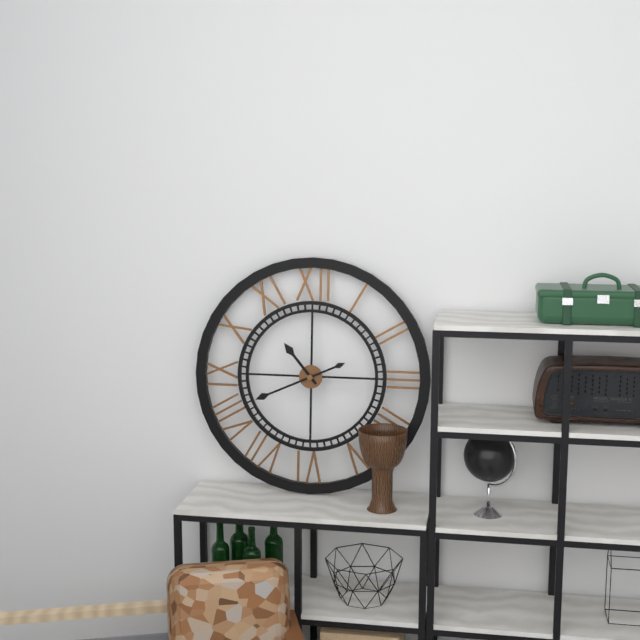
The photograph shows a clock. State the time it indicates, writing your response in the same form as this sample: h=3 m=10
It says h=10 m=41
